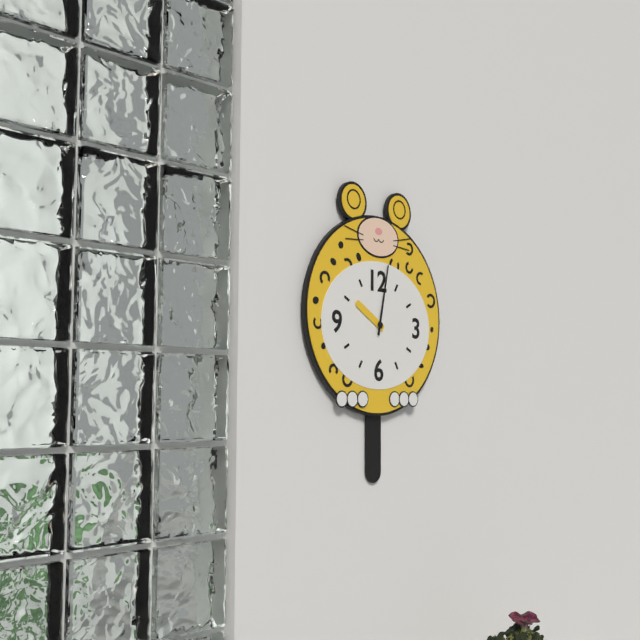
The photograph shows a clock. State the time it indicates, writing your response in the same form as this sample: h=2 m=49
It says h=10 m=2
